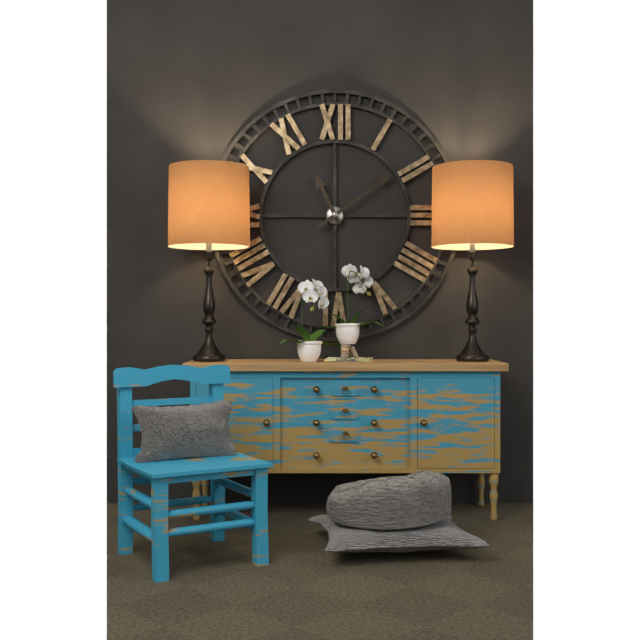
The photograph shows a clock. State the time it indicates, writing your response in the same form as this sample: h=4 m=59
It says h=11 m=9
